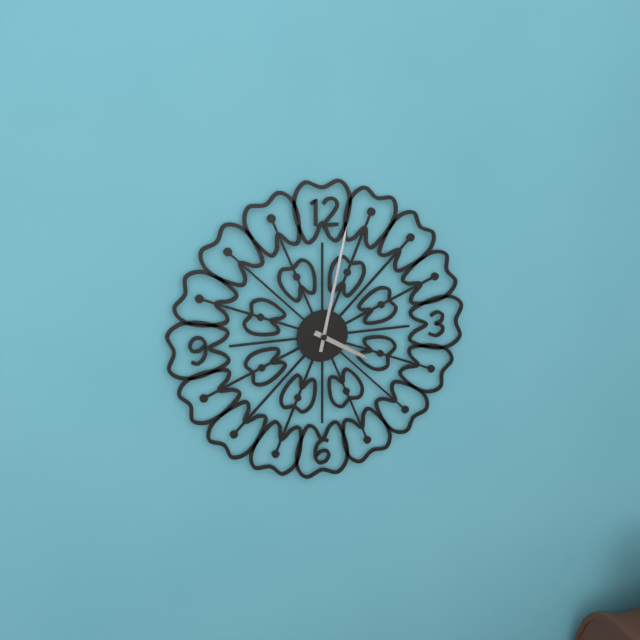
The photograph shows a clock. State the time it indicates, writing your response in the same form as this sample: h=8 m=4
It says h=4 m=2
